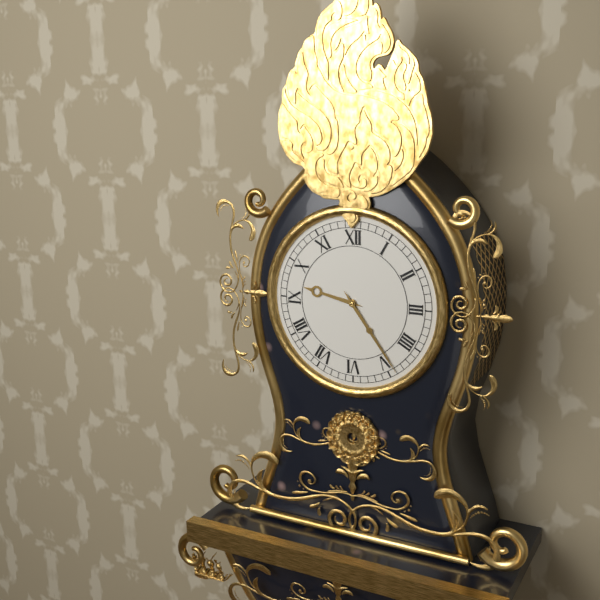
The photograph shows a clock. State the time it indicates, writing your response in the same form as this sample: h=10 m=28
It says h=9 m=24
